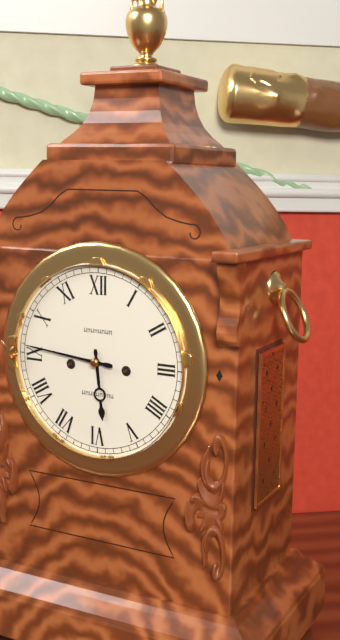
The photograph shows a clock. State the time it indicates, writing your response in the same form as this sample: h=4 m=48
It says h=5 m=46
